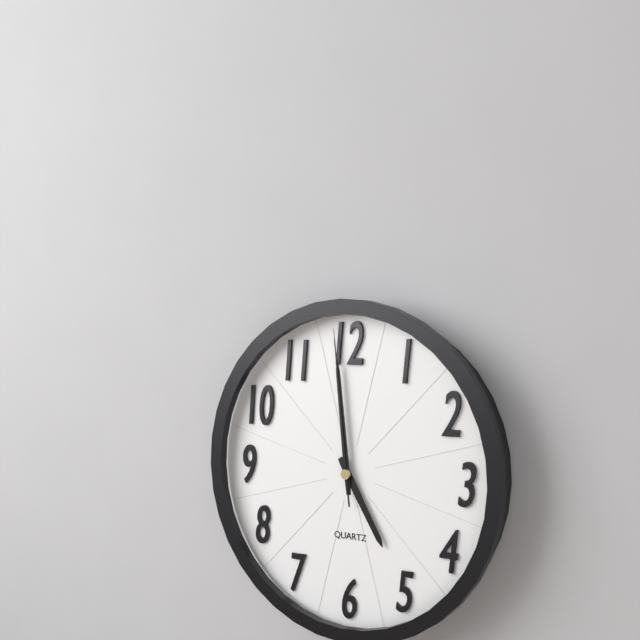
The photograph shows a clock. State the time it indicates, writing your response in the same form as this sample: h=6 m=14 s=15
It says h=4 m=59 s=59
